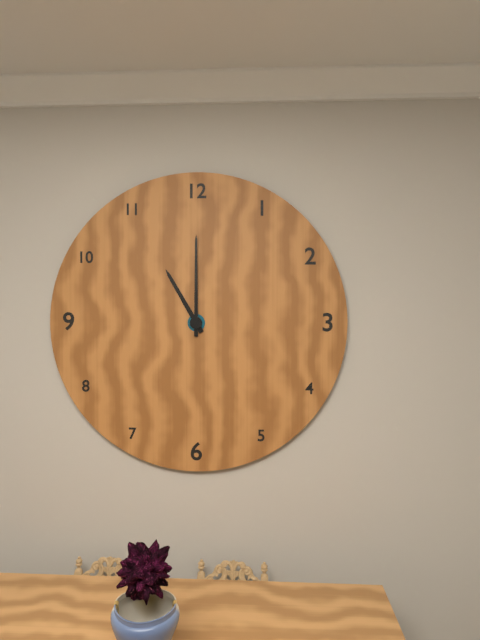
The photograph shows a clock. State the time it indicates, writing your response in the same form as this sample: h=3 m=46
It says h=11 m=0
